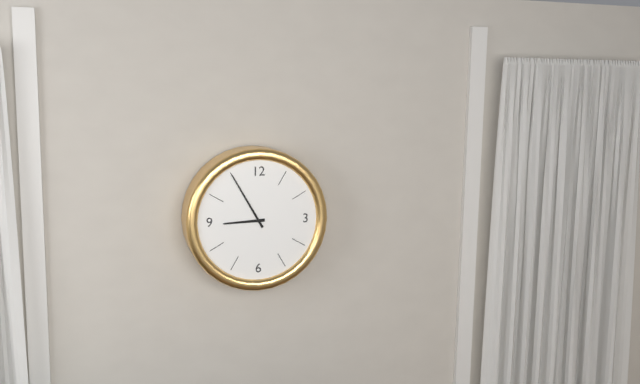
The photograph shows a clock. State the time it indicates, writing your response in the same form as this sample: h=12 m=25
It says h=8 m=55
